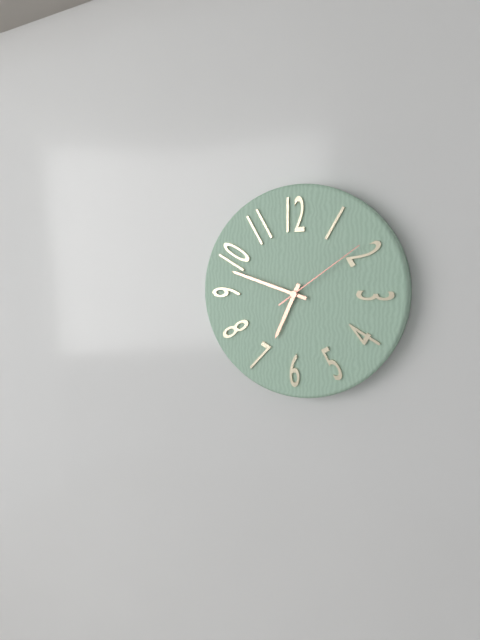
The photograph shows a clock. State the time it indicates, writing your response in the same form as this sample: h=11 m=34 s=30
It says h=6 m=48 s=9
